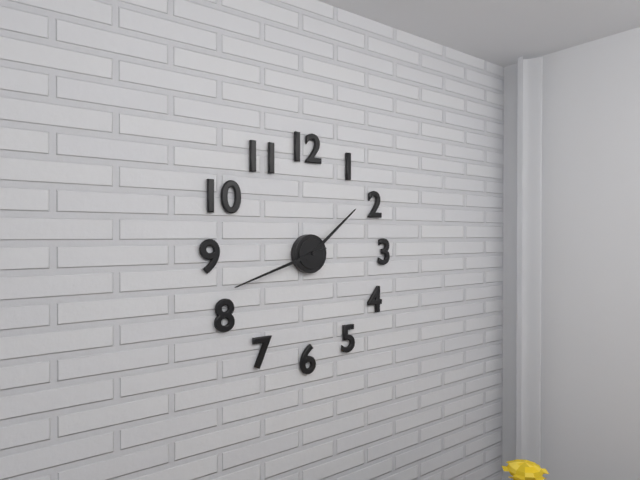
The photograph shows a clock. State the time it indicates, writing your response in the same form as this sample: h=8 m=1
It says h=1 m=42
